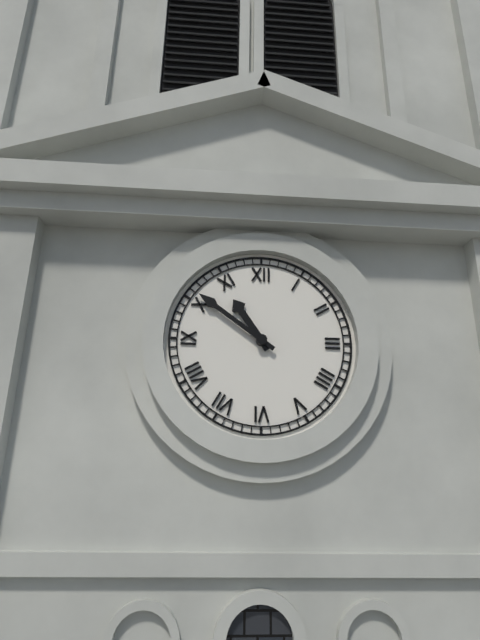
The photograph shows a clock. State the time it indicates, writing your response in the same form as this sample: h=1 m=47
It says h=10 m=51
